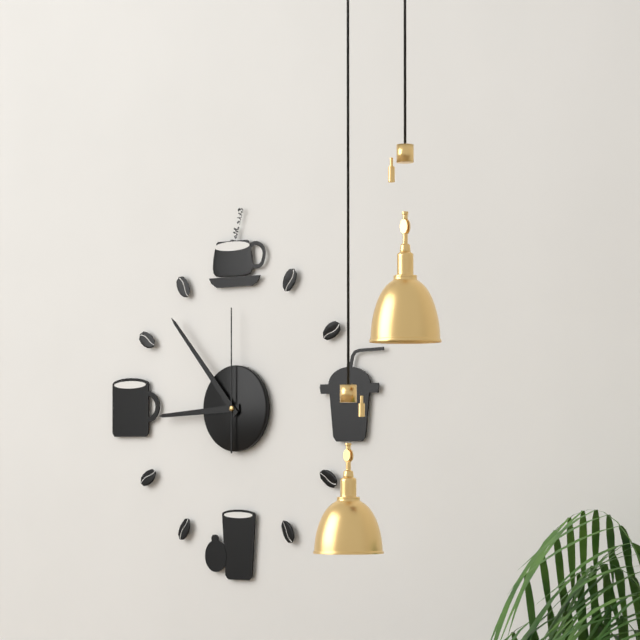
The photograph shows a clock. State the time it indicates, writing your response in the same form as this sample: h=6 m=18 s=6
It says h=8 m=53 s=0
